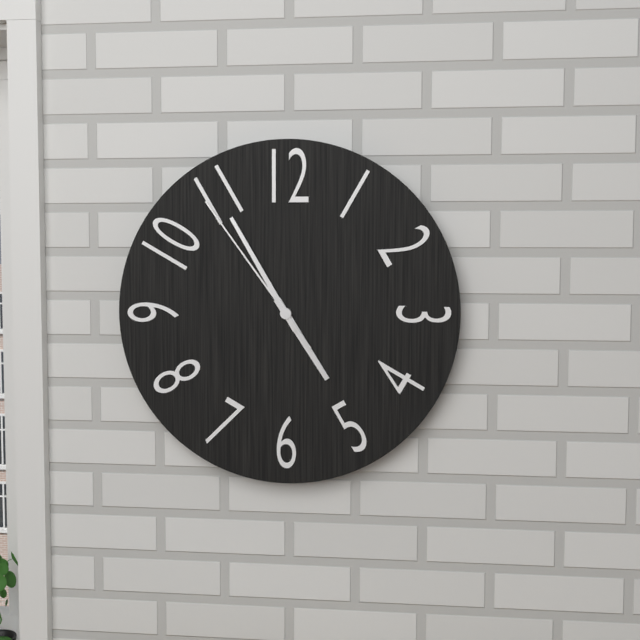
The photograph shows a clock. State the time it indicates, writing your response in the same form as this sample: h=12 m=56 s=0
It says h=4 m=55 s=54
